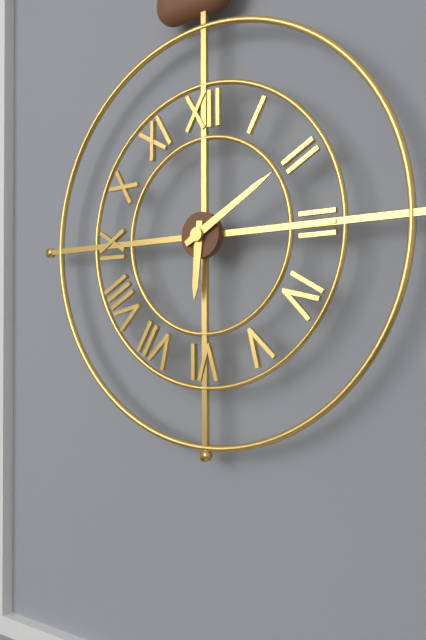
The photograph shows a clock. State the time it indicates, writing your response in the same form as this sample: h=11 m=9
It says h=6 m=10
